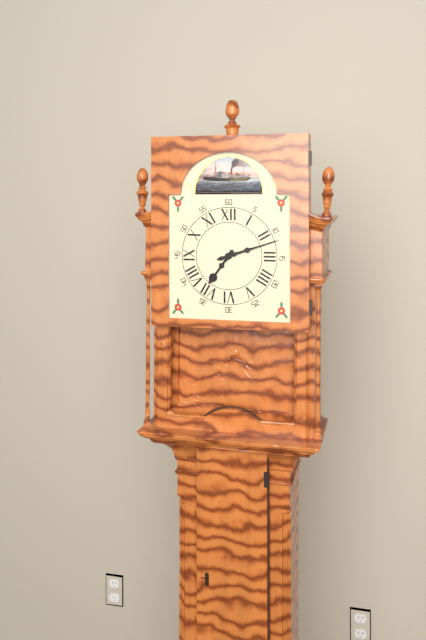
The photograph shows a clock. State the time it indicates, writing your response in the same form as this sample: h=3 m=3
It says h=7 m=12
